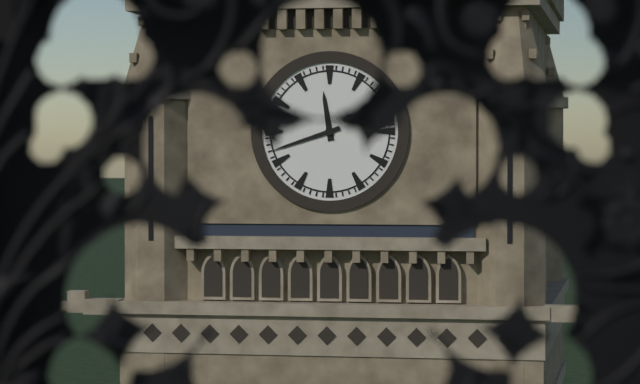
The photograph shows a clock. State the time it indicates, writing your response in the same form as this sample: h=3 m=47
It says h=11 m=42
